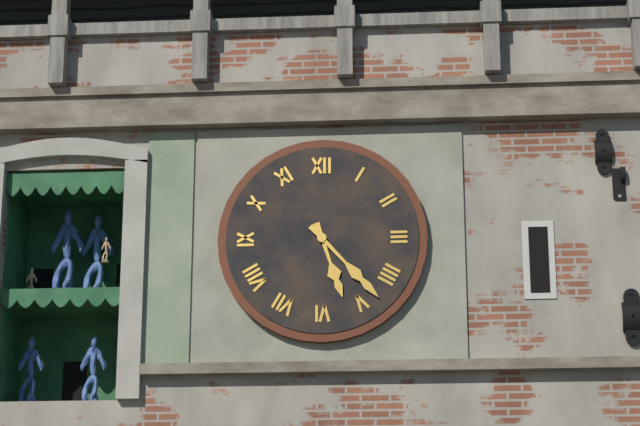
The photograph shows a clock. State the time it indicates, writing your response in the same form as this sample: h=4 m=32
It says h=5 m=23
